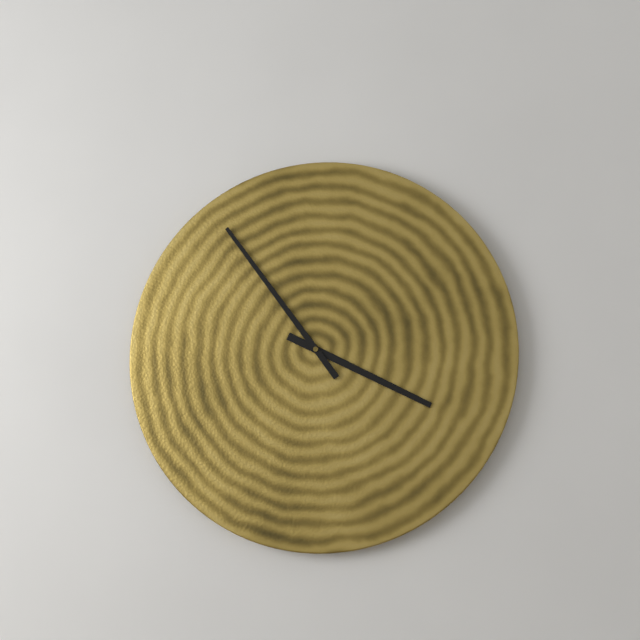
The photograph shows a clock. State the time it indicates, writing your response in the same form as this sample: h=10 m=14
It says h=3 m=54
